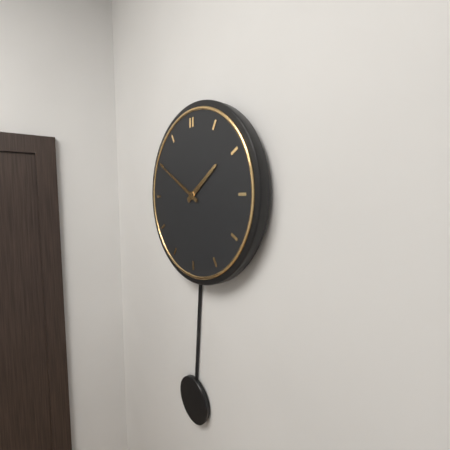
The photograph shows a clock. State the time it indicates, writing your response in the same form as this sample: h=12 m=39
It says h=1 m=50
